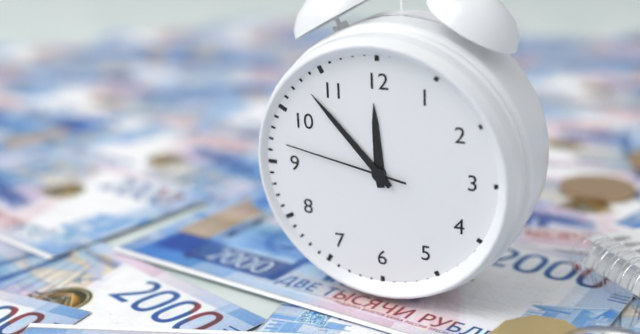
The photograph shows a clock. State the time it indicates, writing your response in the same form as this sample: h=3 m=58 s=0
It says h=11 m=53 s=47
